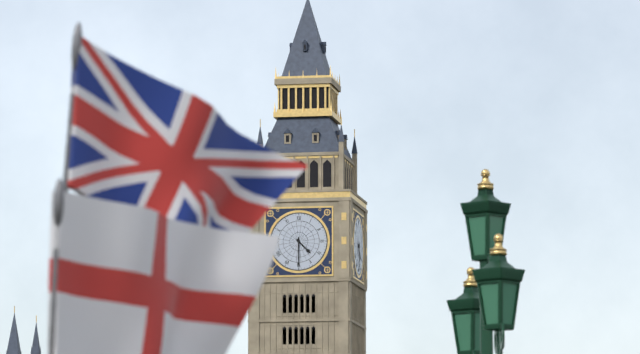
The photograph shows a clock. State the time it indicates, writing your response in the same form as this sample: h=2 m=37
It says h=4 m=30
